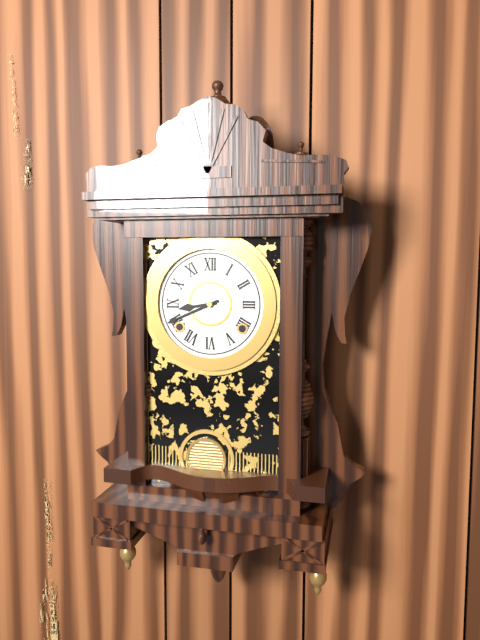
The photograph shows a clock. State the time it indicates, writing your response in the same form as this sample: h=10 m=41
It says h=8 m=41
